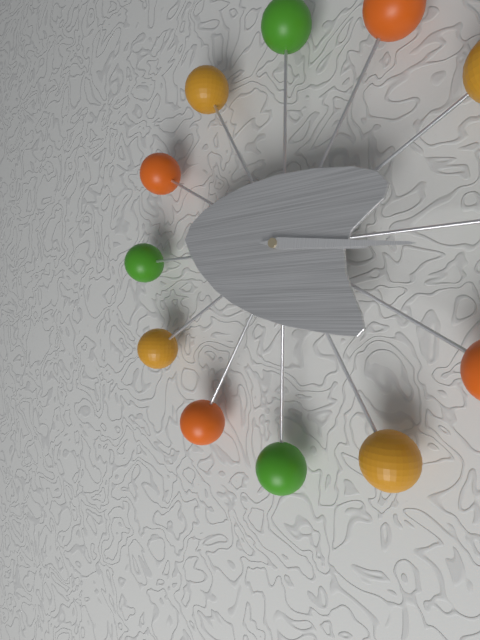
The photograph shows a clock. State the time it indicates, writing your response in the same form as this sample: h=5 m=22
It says h=3 m=16
